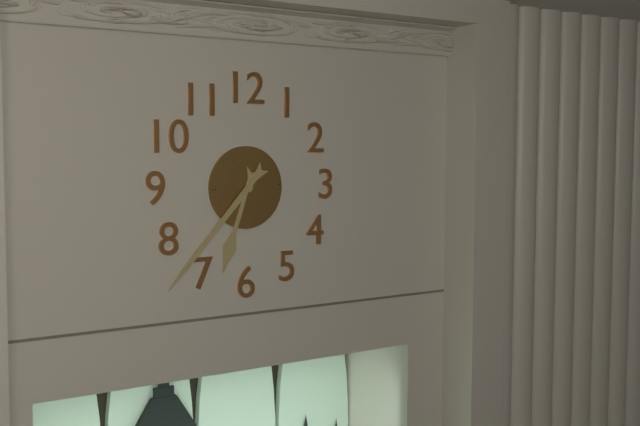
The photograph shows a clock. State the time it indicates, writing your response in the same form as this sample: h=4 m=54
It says h=6 m=37
